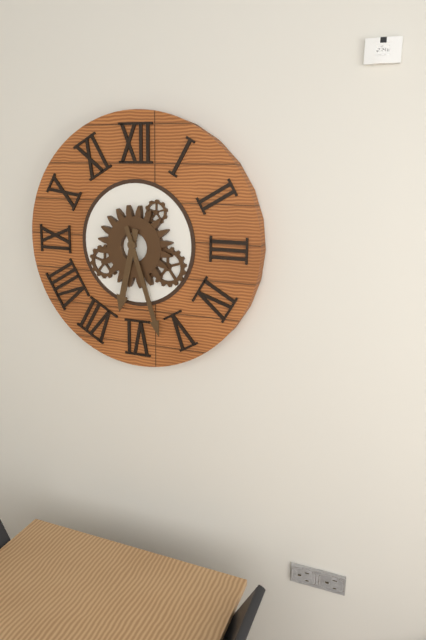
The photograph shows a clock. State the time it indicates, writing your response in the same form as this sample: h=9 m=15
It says h=6 m=27
